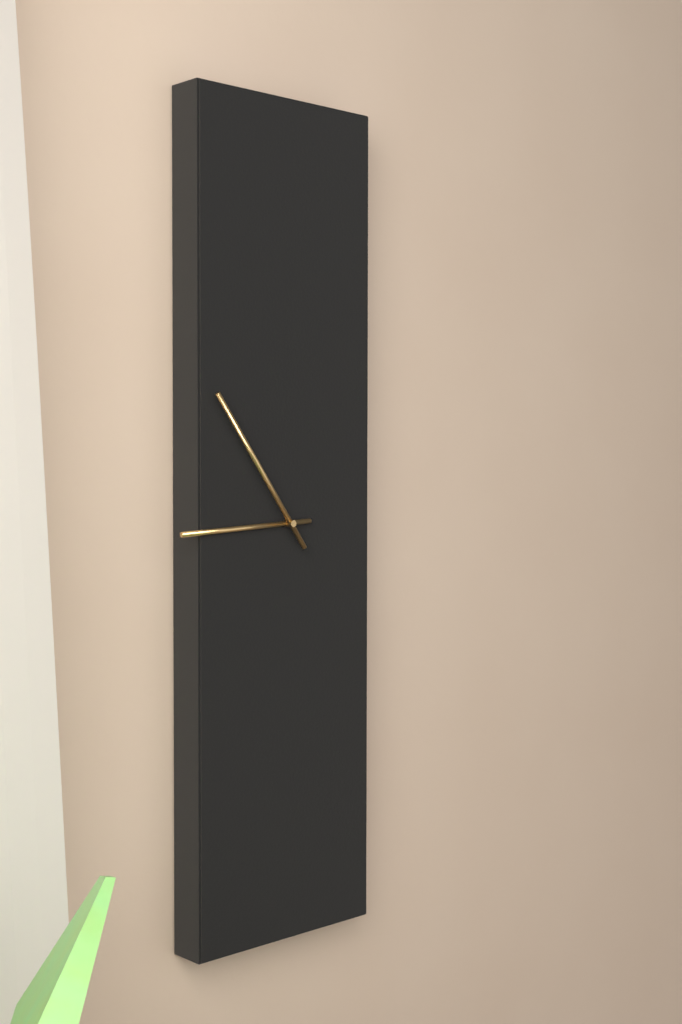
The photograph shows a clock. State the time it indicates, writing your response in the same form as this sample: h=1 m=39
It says h=8 m=54
